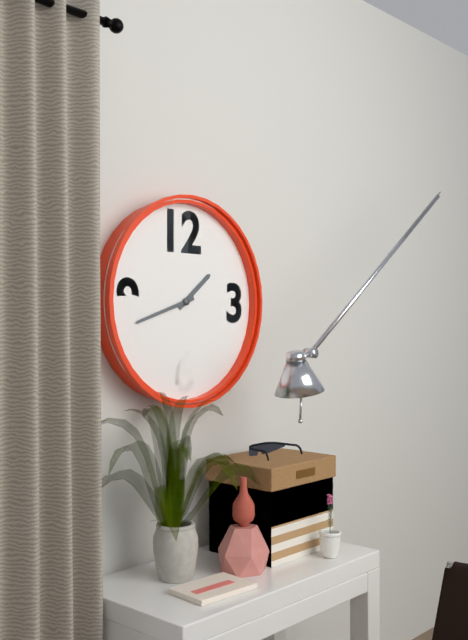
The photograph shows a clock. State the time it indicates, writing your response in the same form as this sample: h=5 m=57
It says h=1 m=42
